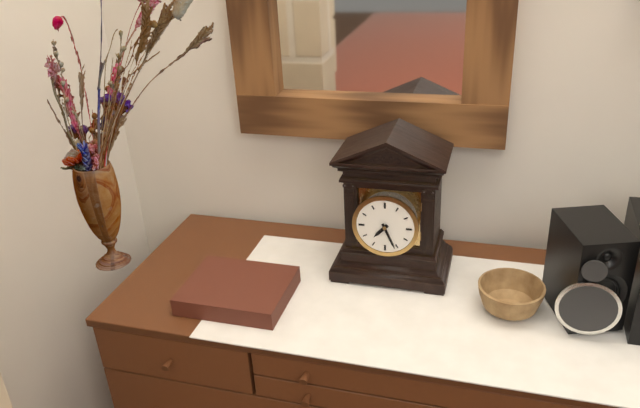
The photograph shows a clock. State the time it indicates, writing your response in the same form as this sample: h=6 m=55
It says h=7 m=26
